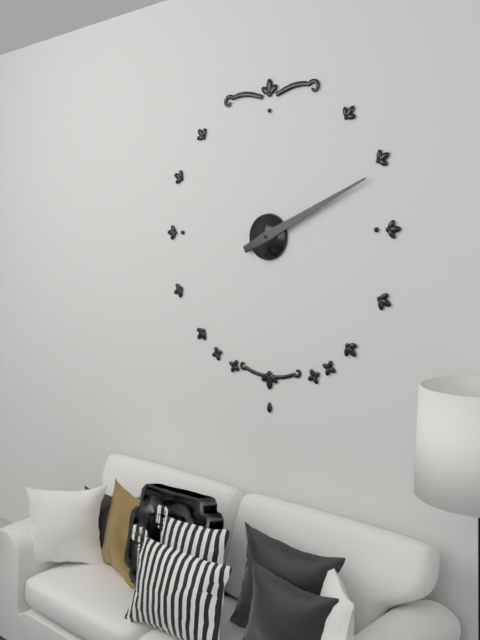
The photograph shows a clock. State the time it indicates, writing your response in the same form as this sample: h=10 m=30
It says h=2 m=11
